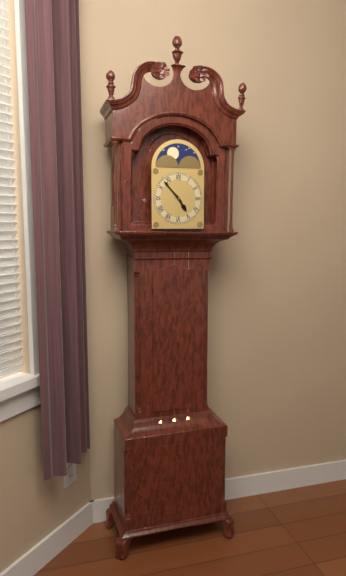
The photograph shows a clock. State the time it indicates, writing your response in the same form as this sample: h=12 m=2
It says h=4 m=53
